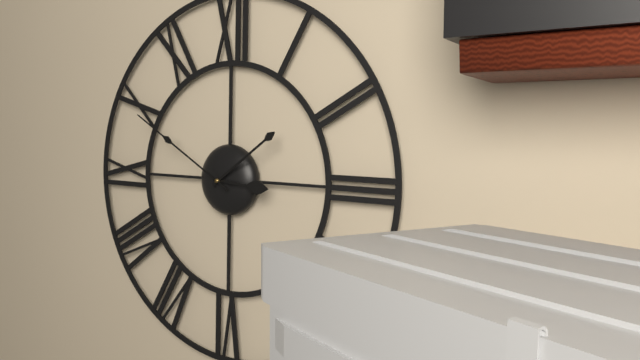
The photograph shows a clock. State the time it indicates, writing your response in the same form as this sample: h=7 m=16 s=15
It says h=3 m=9 s=50
